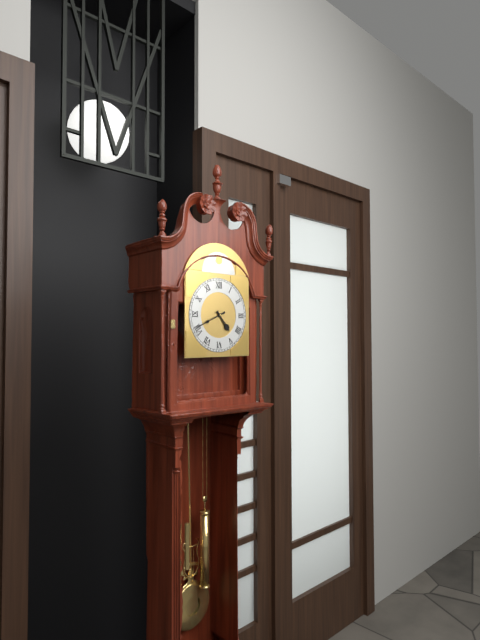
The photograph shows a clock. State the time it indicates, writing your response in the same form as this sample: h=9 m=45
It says h=4 m=41
